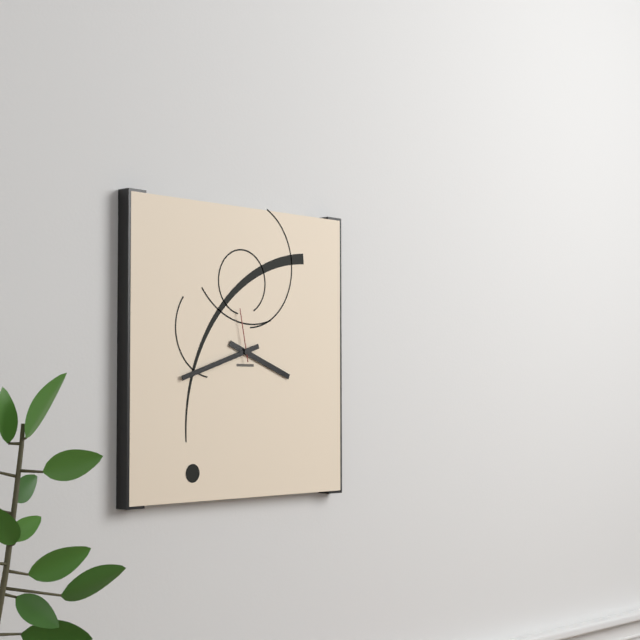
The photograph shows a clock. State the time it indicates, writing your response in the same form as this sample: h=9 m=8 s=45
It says h=3 m=42 s=58
